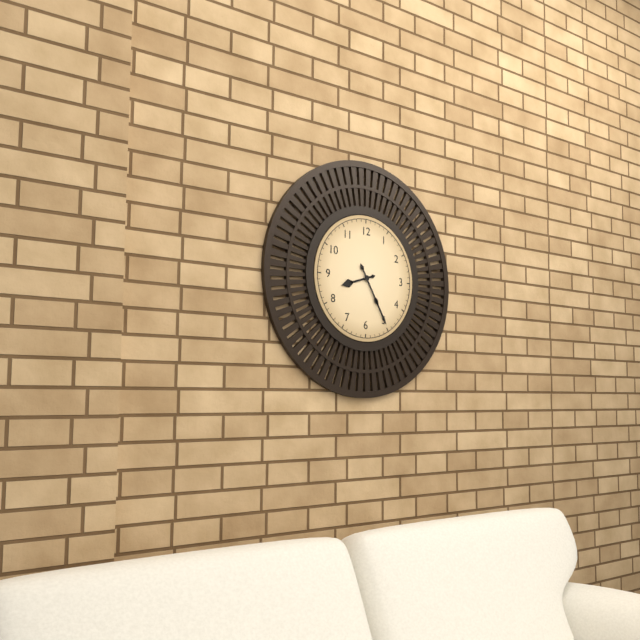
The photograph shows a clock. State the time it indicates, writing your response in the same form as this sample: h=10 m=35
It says h=8 m=25
